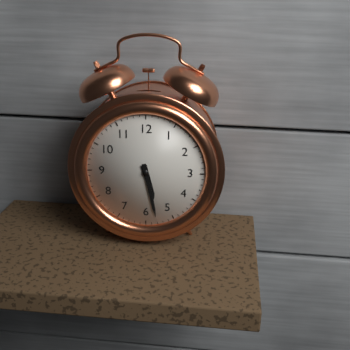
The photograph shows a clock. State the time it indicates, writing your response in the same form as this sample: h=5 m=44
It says h=5 m=28
